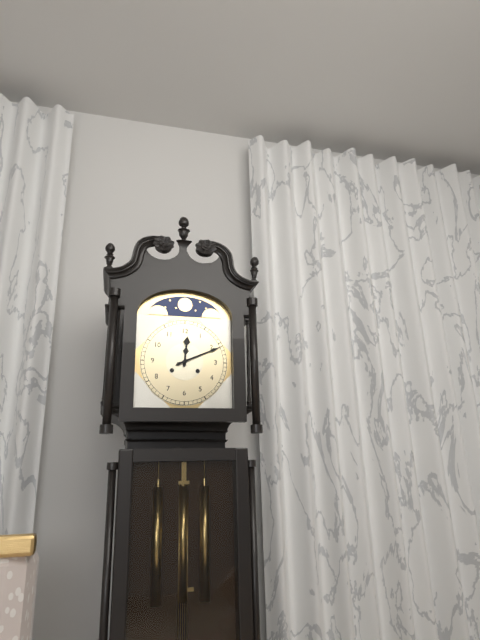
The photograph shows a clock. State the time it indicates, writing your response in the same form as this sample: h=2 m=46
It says h=12 m=11
